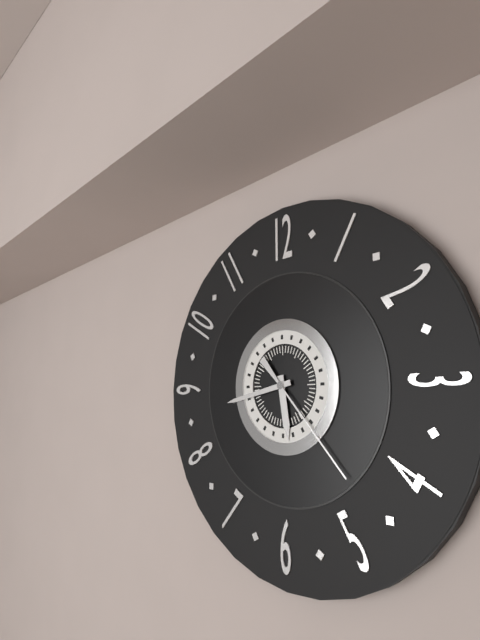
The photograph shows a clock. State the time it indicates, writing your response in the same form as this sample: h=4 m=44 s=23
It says h=5 m=43 s=23
